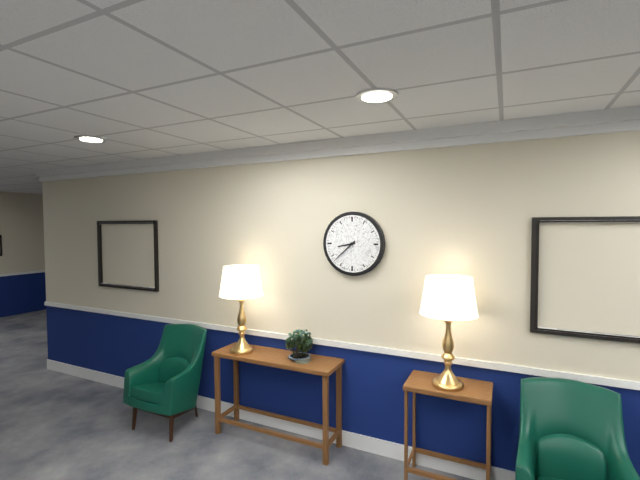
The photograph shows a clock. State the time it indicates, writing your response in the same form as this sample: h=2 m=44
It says h=8 m=38
